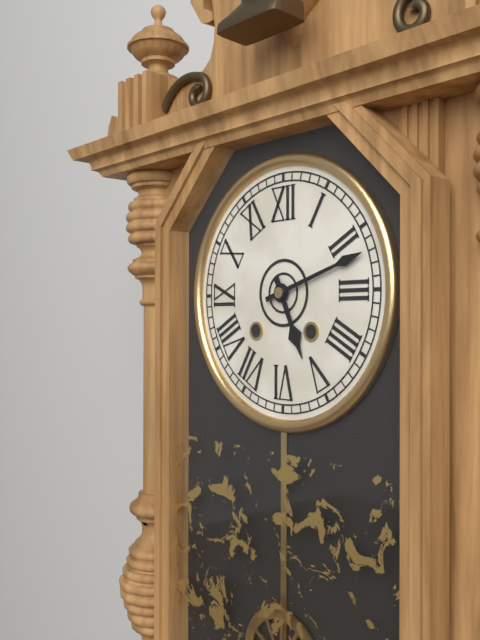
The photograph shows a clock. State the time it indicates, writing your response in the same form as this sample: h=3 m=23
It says h=5 m=12
